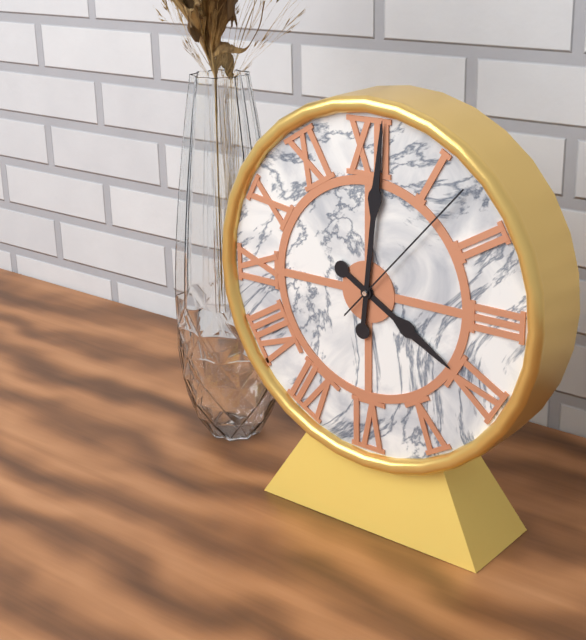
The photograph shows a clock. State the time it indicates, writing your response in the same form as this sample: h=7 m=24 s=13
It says h=4 m=1 s=7
